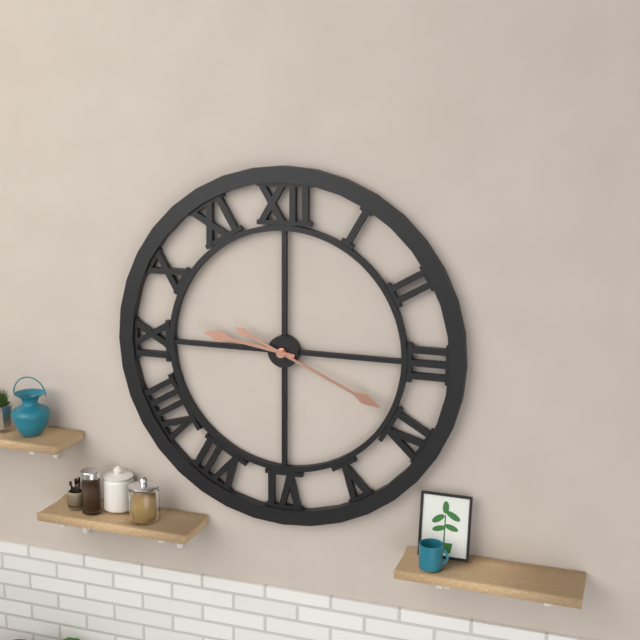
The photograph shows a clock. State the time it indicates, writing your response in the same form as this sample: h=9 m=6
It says h=9 m=19
